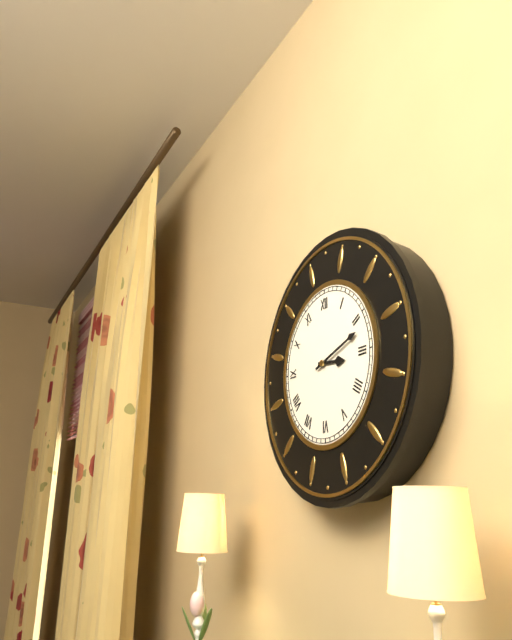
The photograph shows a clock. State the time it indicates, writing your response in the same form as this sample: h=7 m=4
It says h=3 m=12
